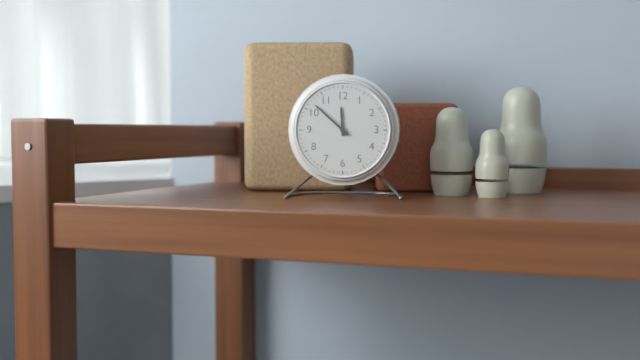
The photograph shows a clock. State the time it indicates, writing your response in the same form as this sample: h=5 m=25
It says h=11 m=52
